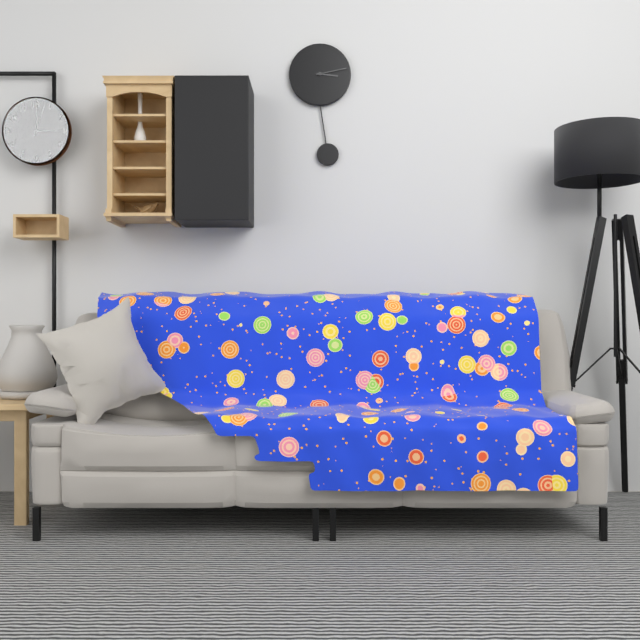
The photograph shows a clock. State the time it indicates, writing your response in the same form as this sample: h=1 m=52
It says h=3 m=13
